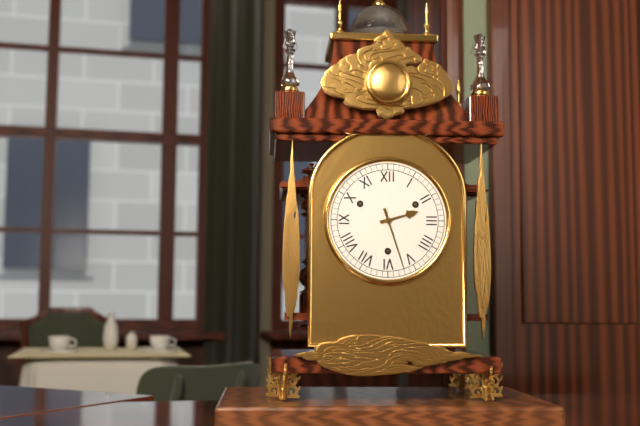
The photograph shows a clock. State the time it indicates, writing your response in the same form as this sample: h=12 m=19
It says h=2 m=27
